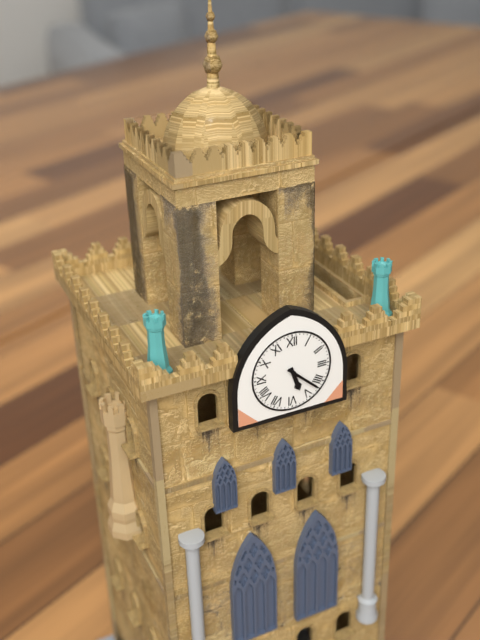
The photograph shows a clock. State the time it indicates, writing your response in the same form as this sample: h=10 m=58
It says h=5 m=22
